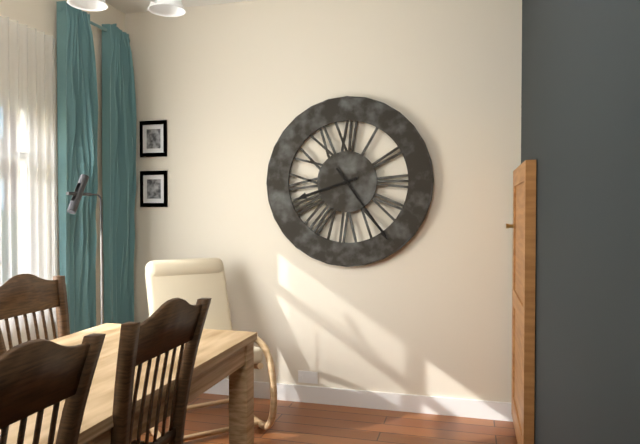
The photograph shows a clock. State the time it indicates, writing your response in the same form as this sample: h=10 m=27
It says h=8 m=24
